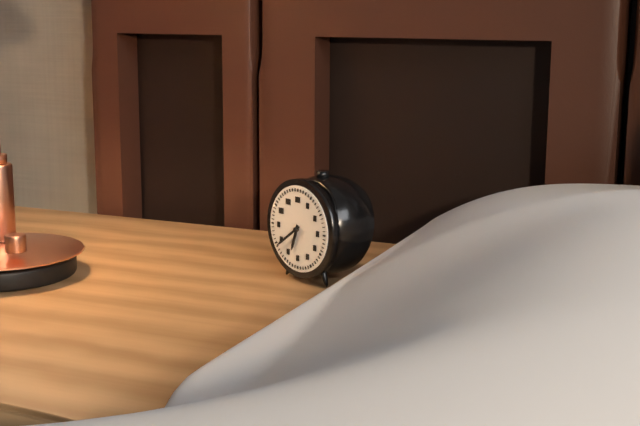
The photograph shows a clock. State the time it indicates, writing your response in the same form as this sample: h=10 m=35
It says h=6 m=39
